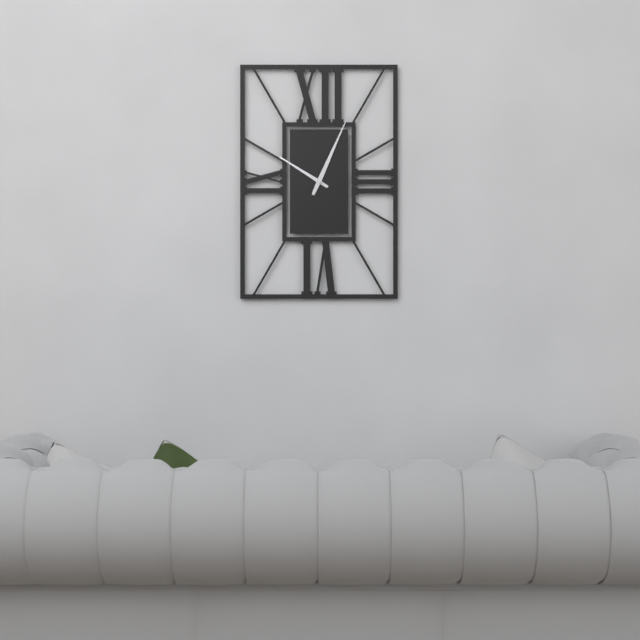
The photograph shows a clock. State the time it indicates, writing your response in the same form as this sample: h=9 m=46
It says h=10 m=4
